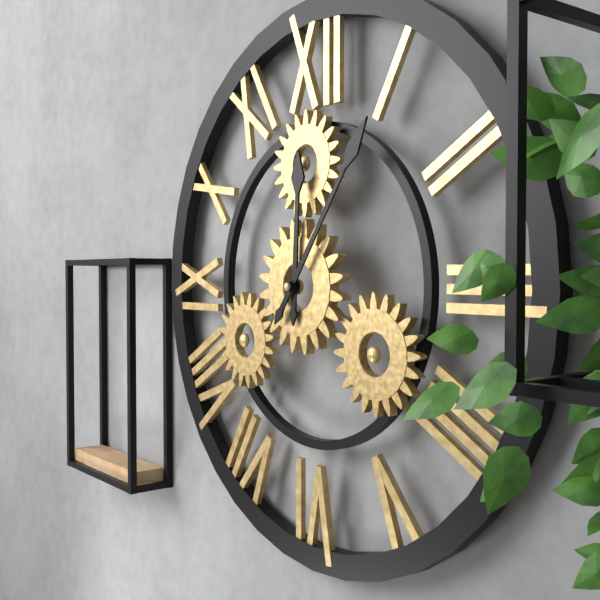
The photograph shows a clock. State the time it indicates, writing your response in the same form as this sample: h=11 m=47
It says h=12 m=6
